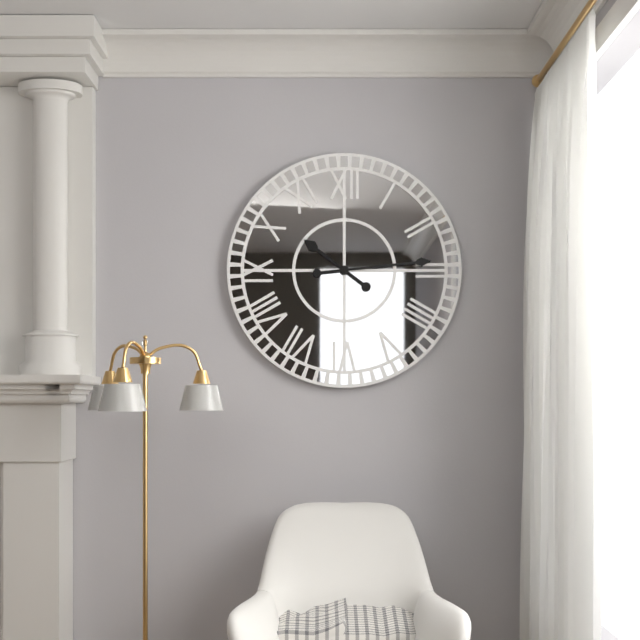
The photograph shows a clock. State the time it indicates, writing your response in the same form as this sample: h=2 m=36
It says h=10 m=14
